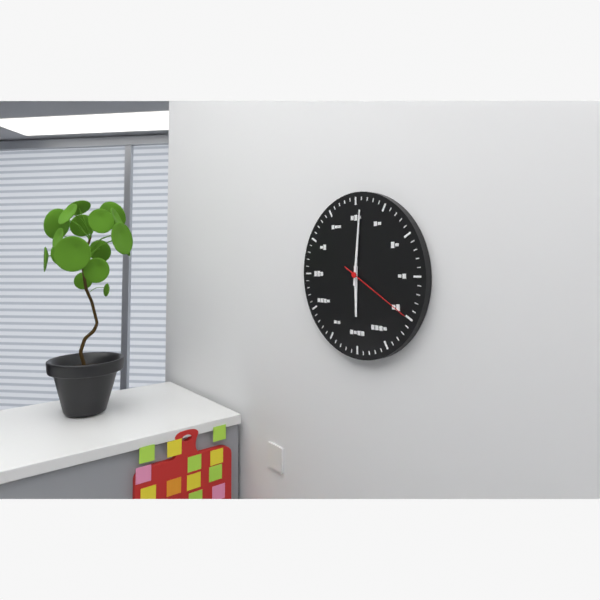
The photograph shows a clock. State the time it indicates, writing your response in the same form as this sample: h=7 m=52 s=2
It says h=6 m=1 s=20
